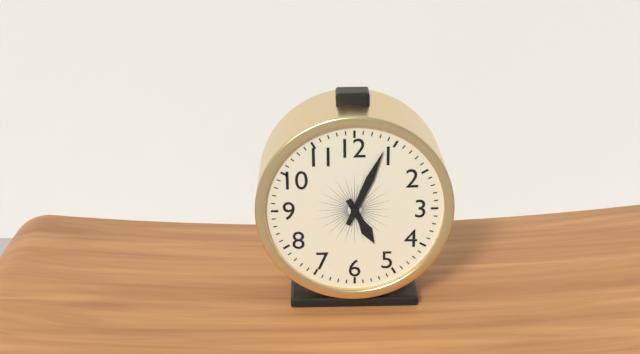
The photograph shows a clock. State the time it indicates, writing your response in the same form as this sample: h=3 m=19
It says h=5 m=4
